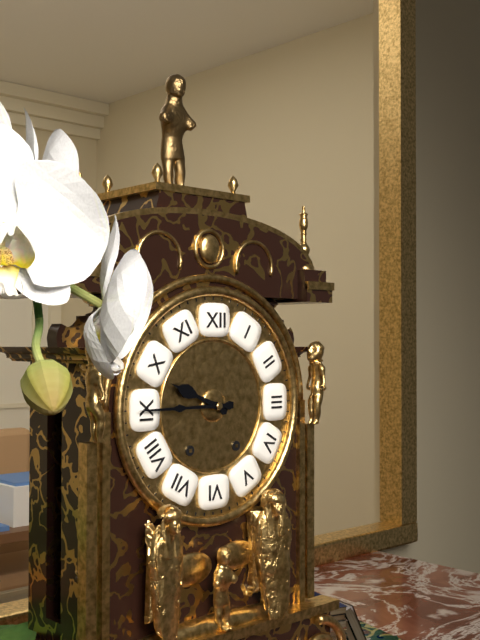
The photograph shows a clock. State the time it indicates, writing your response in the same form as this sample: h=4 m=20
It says h=9 m=45
